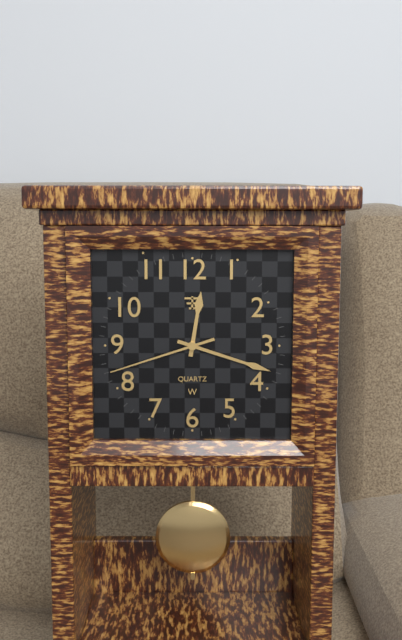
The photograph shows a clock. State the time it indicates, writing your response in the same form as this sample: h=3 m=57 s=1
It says h=12 m=18 s=42
